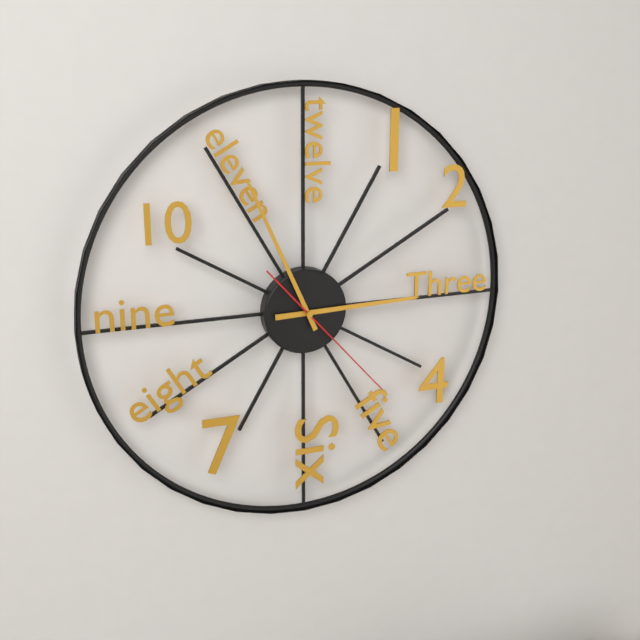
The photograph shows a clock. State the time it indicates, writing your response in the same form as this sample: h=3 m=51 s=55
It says h=2 m=56 s=23
